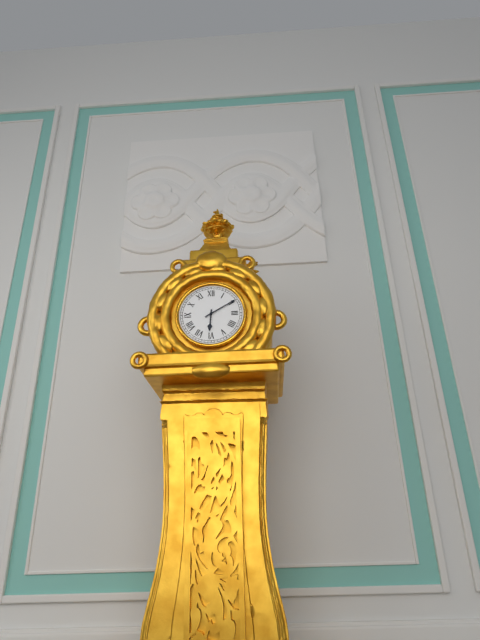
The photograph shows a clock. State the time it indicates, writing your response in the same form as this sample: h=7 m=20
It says h=6 m=10
